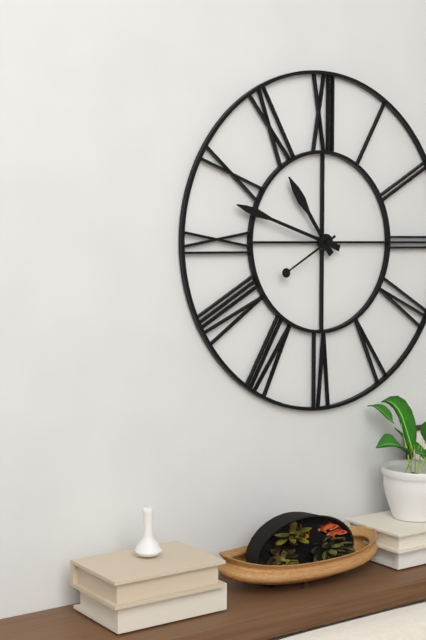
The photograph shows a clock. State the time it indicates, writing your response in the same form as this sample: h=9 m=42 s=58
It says h=10 m=48 s=40
